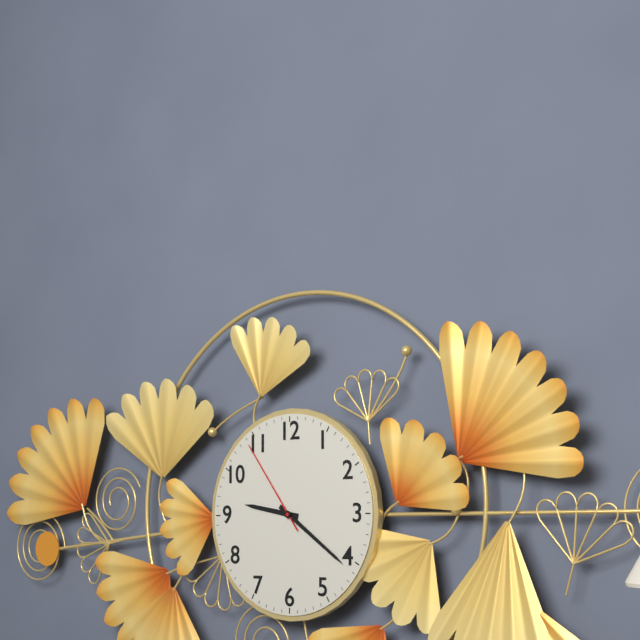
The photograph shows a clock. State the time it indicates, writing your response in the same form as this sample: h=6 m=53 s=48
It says h=9 m=21 s=54
